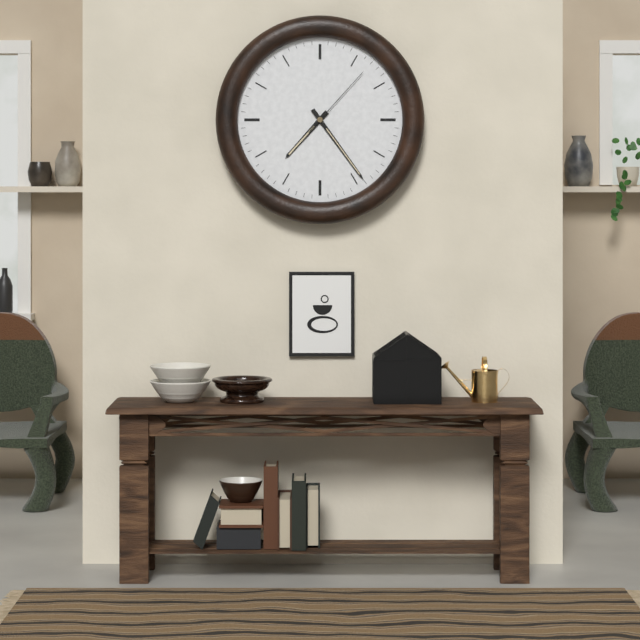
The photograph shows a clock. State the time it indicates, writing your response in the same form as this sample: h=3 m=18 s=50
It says h=7 m=24 s=7
